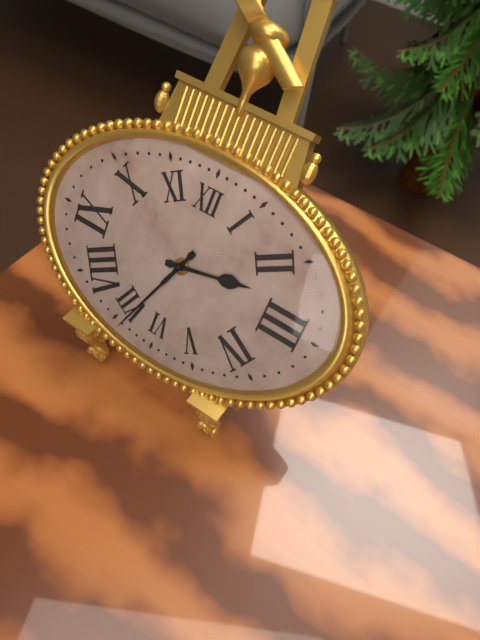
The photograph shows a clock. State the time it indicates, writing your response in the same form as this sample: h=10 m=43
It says h=2 m=34
